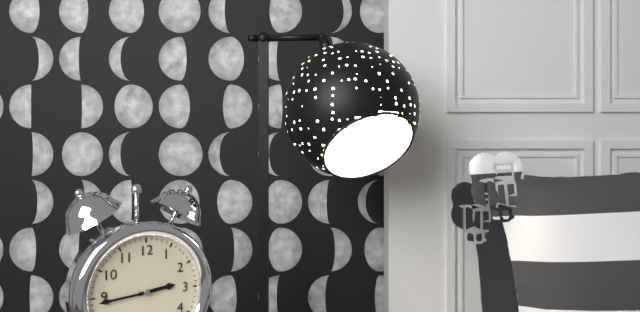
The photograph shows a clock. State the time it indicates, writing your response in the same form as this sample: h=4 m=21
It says h=2 m=44
